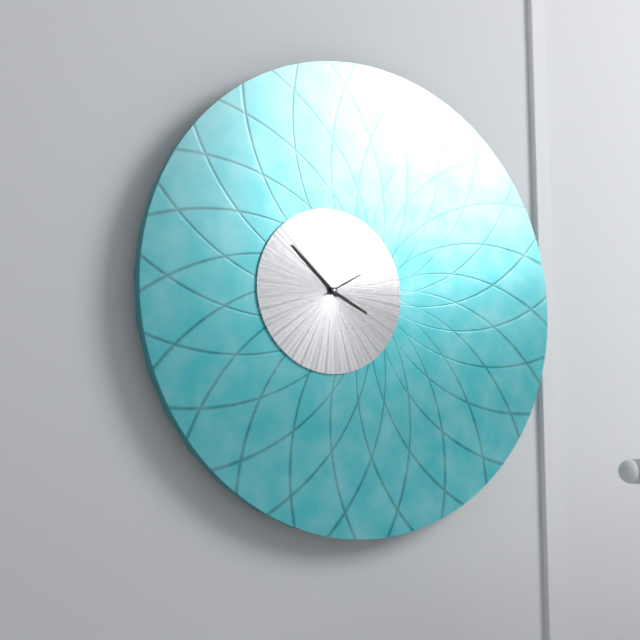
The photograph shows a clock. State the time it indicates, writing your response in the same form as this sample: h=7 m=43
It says h=3 m=52
